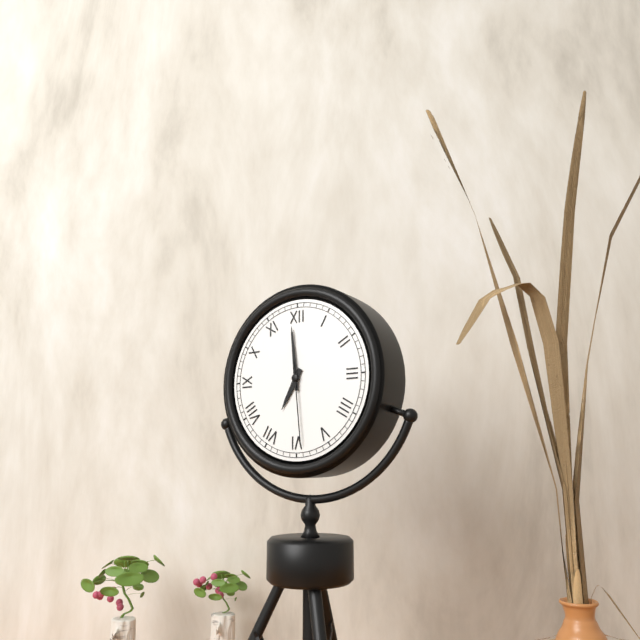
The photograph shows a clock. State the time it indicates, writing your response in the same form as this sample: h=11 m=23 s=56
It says h=6 m=59 s=29
